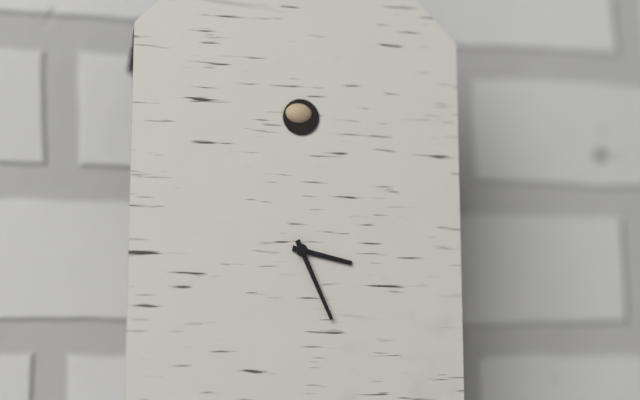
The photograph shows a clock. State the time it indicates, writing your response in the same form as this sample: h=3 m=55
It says h=3 m=26
